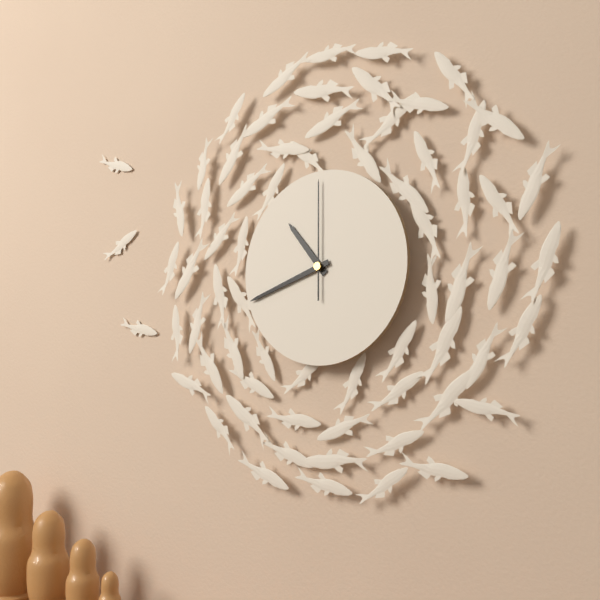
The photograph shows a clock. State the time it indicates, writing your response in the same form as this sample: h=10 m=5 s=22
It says h=10 m=42 s=0
